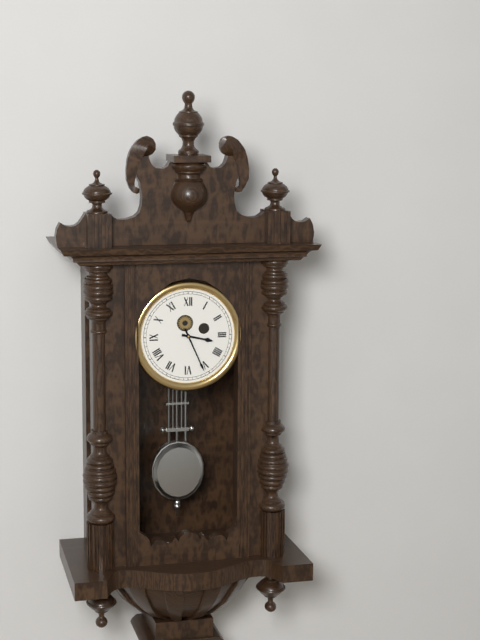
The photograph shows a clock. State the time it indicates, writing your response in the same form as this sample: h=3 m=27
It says h=3 m=26
